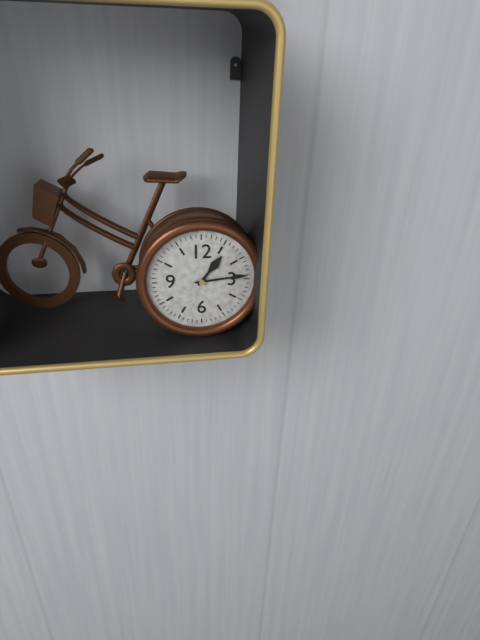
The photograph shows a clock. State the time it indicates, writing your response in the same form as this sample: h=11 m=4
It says h=1 m=14
